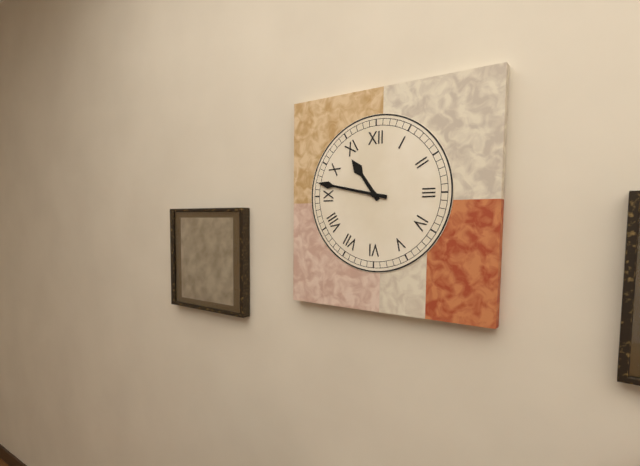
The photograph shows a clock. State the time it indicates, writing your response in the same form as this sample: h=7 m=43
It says h=10 m=47
